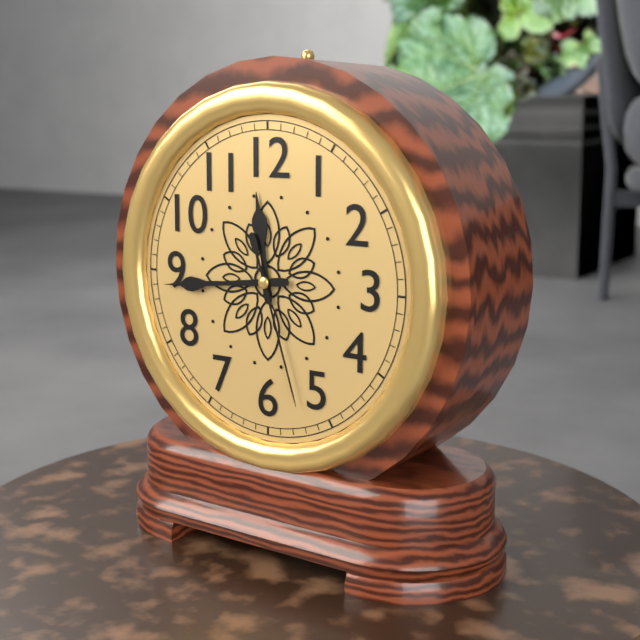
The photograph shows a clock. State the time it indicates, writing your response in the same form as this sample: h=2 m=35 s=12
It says h=11 m=44 s=27
